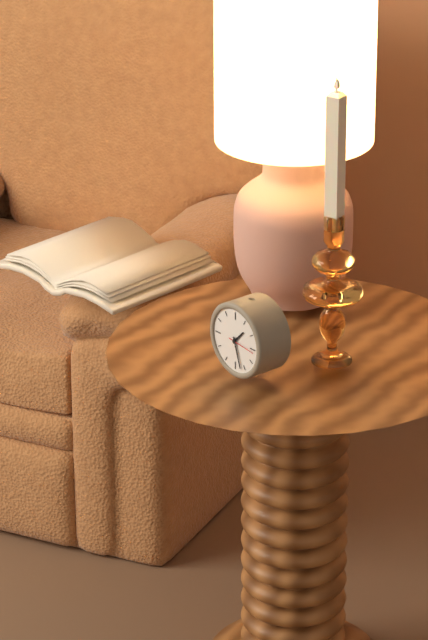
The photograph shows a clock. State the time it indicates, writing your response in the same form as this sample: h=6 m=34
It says h=1 m=27
